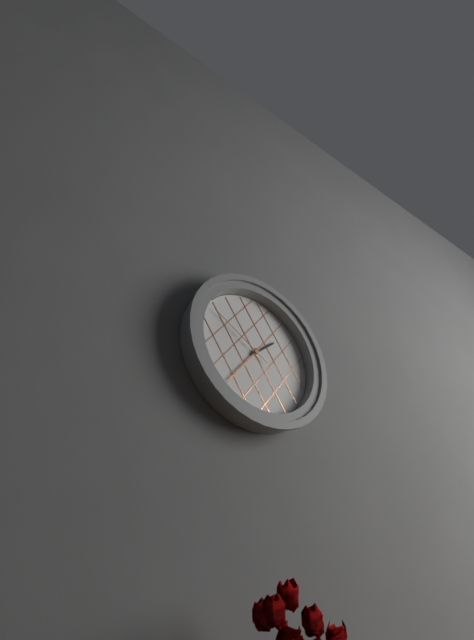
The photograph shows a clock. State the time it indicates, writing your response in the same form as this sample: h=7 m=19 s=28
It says h=1 m=36 s=50
